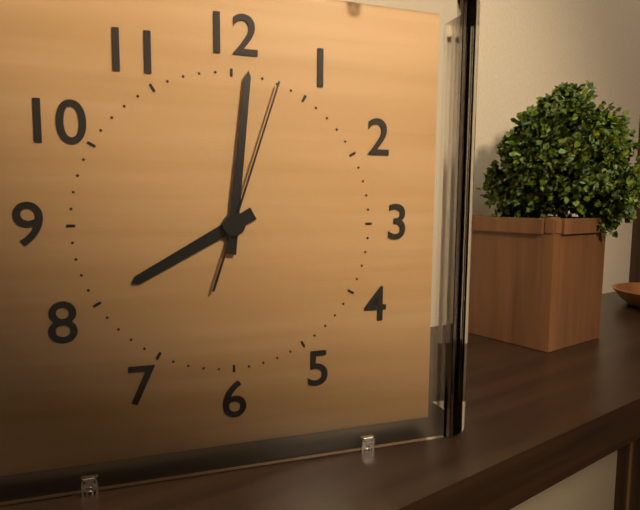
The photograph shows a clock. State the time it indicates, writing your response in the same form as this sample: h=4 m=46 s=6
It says h=8 m=1 s=3
